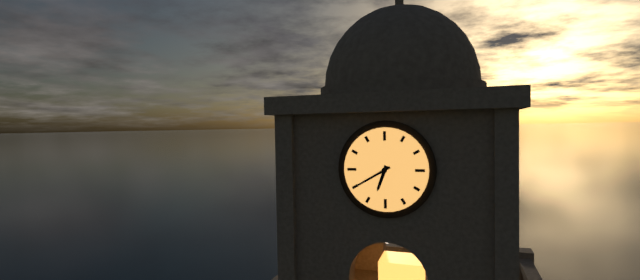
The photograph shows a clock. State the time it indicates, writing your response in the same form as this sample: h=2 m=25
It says h=6 m=40
